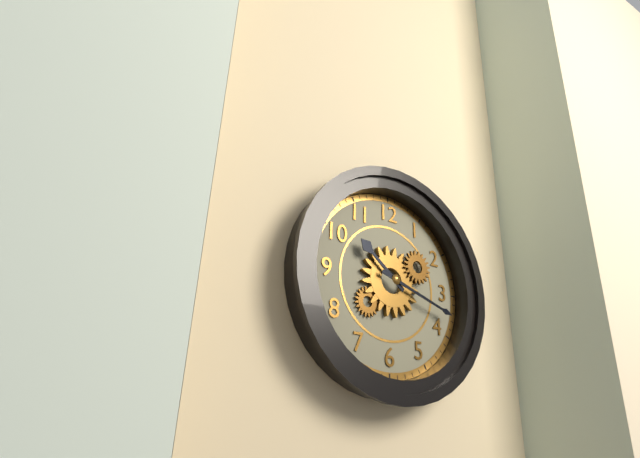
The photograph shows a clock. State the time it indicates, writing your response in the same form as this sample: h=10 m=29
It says h=10 m=18
